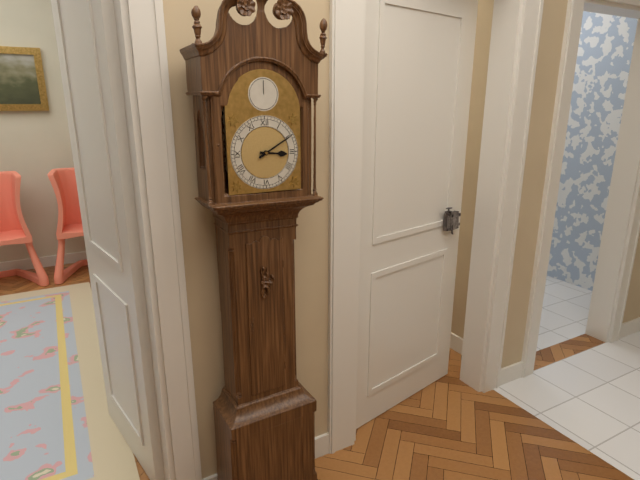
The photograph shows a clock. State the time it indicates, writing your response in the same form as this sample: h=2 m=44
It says h=3 m=10
